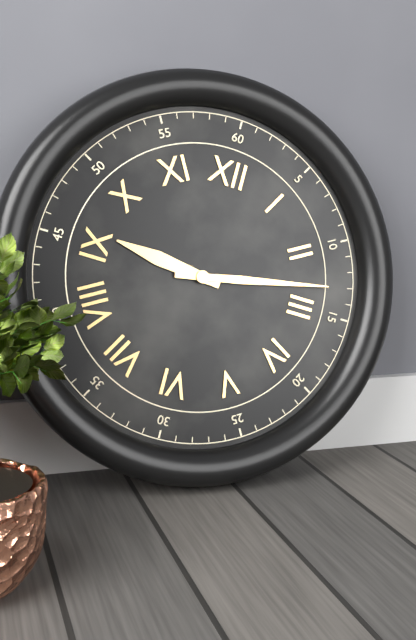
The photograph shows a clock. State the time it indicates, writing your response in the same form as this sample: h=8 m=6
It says h=9 m=13
